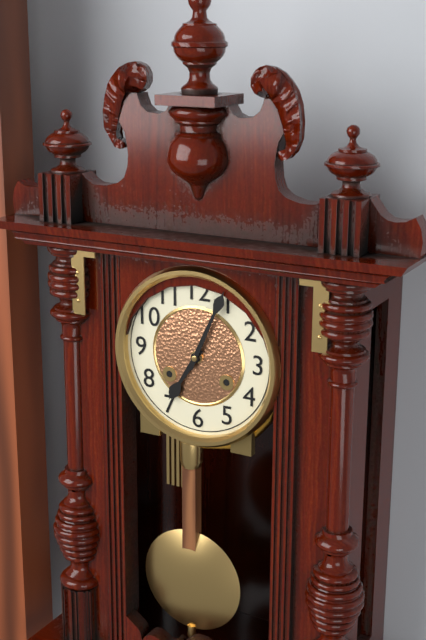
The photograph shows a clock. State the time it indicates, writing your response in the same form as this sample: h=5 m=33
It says h=7 m=4
